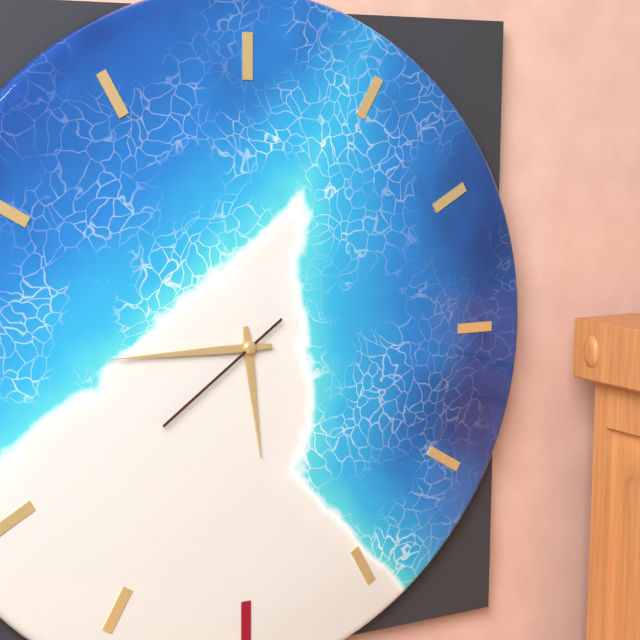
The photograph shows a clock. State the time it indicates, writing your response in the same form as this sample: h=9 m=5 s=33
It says h=5 m=45 s=39
